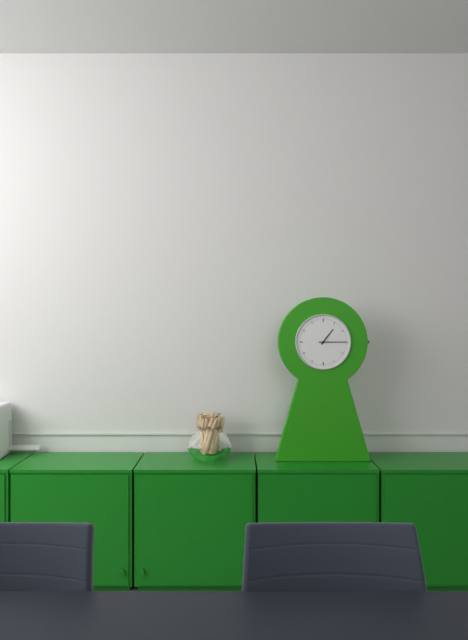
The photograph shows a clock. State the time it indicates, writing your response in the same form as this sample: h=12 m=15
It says h=1 m=15
